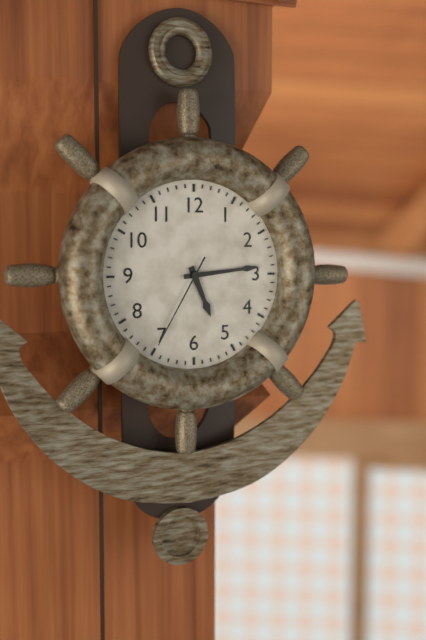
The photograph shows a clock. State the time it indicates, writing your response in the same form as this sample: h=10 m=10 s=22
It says h=5 m=14 s=35
